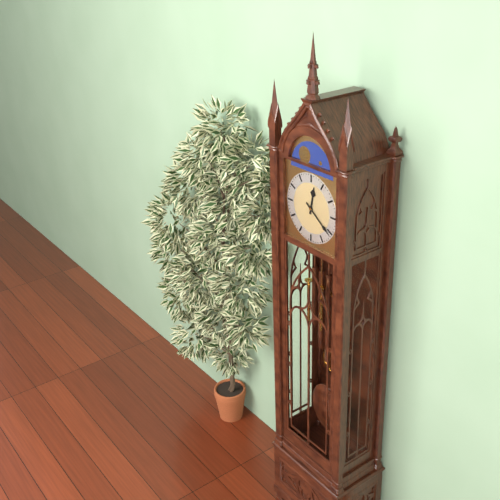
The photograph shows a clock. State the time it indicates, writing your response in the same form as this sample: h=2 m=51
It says h=12 m=21
